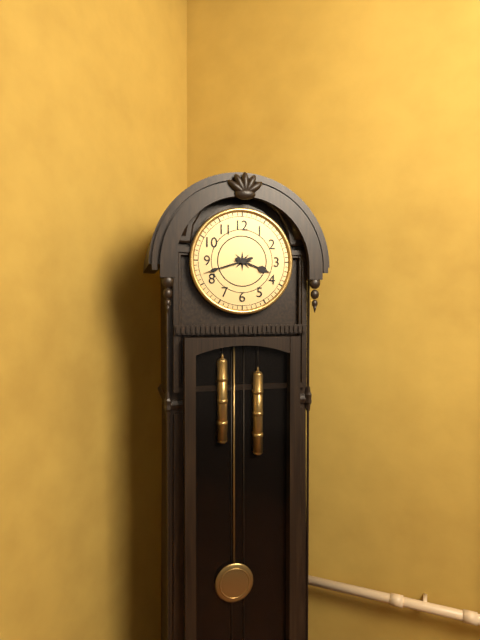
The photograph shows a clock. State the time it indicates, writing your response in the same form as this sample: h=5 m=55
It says h=3 m=42
